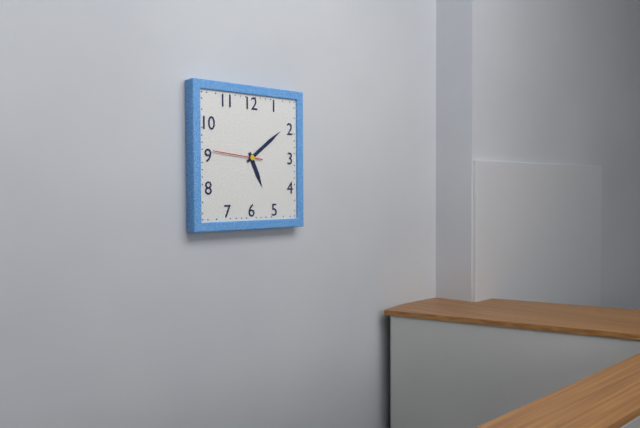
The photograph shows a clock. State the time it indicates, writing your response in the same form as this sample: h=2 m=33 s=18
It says h=5 m=9 s=46
